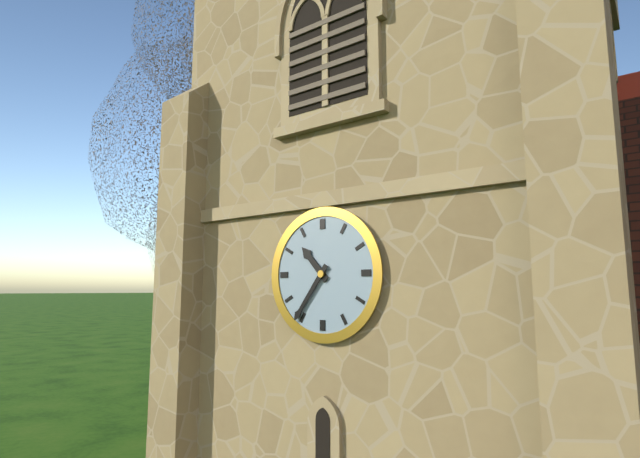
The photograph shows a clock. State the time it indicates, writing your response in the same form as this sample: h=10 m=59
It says h=10 m=36
